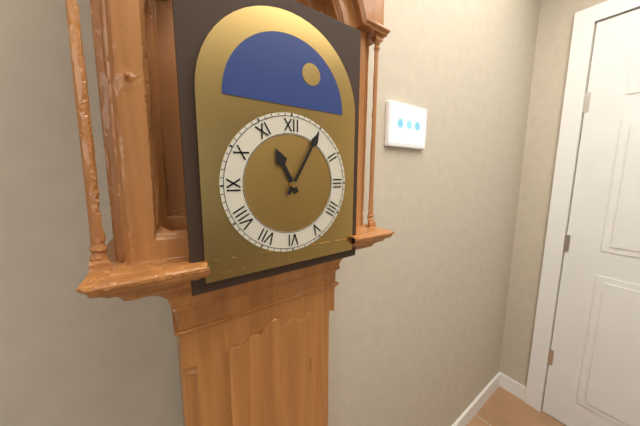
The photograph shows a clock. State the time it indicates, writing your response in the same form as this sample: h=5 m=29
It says h=11 m=5
